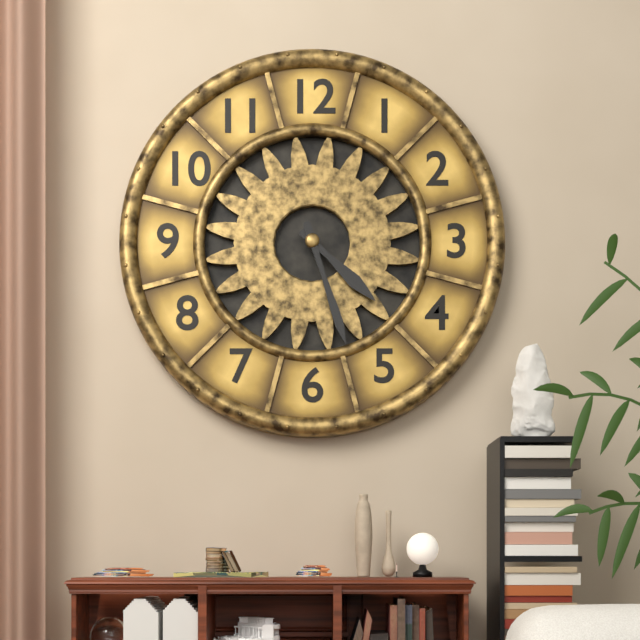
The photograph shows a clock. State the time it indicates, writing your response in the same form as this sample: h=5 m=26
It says h=4 m=27
